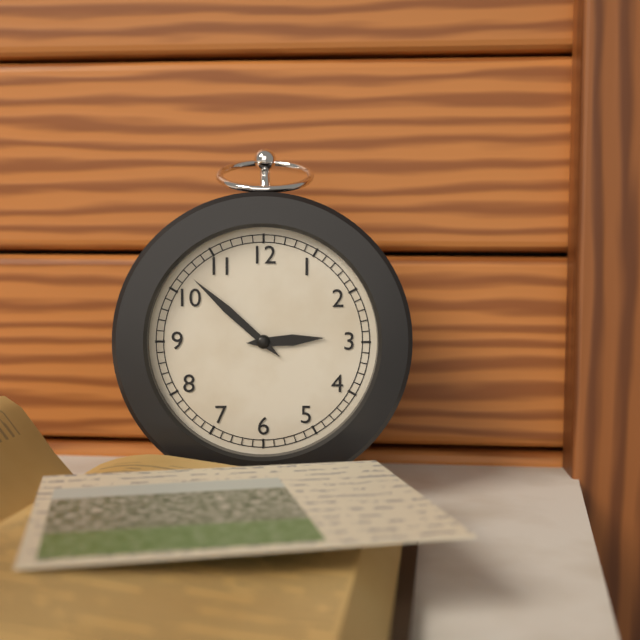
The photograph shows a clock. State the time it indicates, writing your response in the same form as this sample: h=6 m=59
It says h=2 m=52
